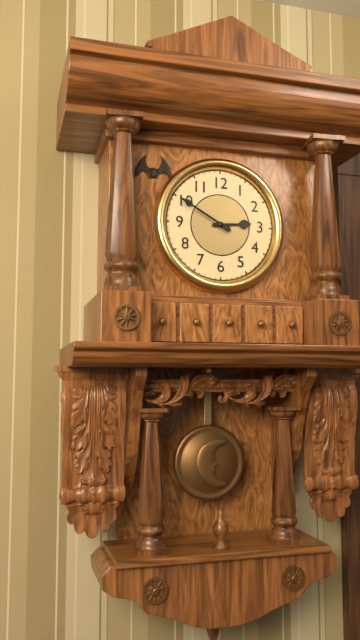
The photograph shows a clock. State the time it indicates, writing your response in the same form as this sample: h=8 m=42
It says h=2 m=50
